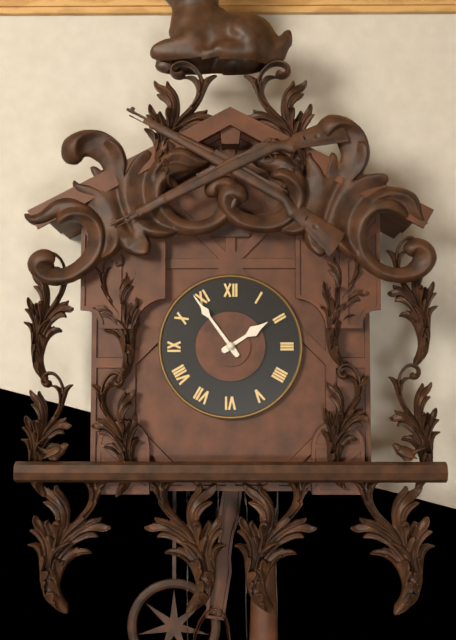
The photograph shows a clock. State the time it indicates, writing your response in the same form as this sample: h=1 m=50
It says h=1 m=54
